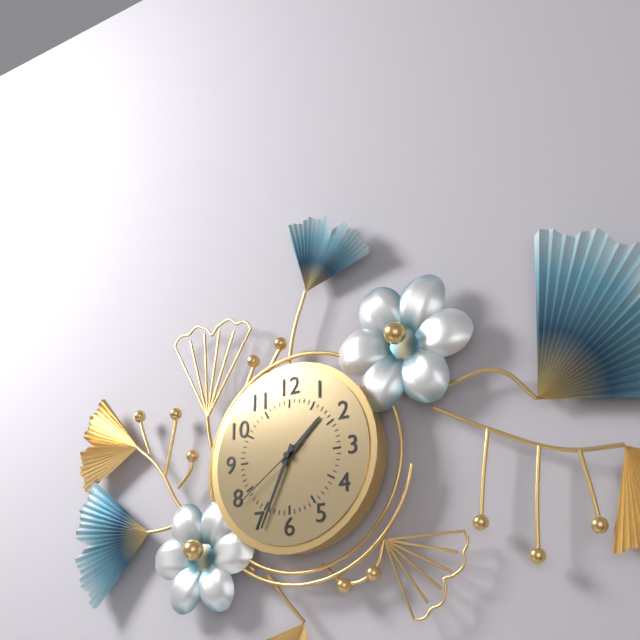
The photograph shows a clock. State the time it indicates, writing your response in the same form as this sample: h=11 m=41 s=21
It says h=1 m=34 s=39
